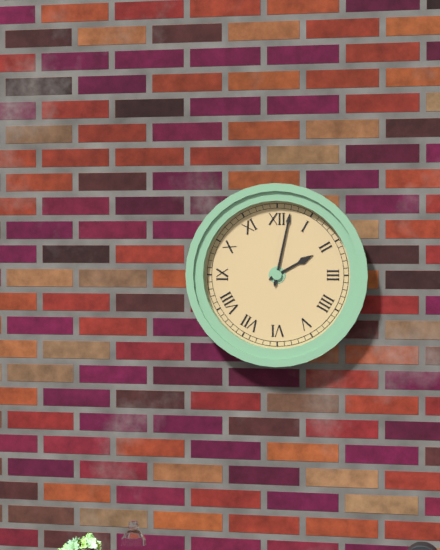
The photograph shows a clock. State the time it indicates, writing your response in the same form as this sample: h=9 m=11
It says h=2 m=2
